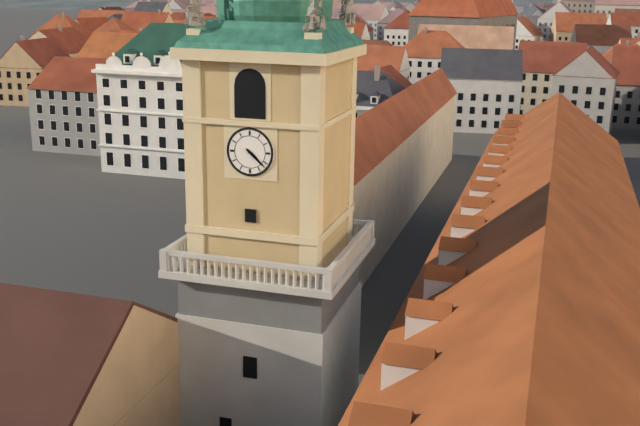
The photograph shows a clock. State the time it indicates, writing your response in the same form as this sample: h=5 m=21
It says h=4 m=22
